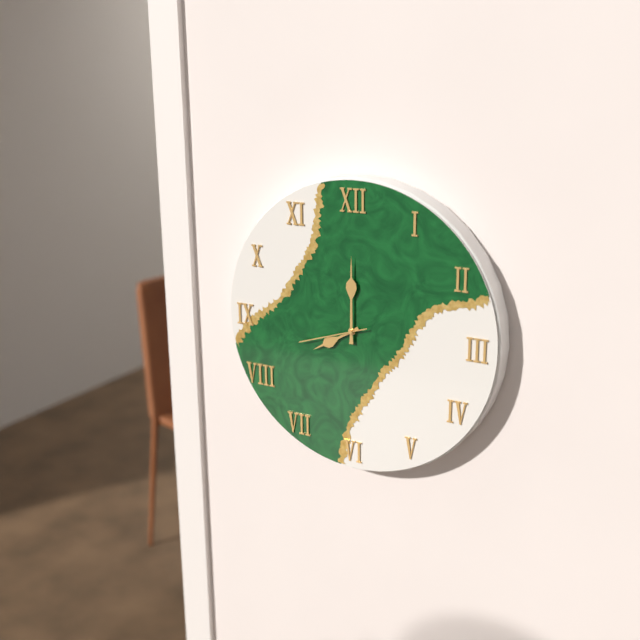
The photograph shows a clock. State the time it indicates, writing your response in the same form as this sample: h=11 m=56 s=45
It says h=8 m=0 s=42
